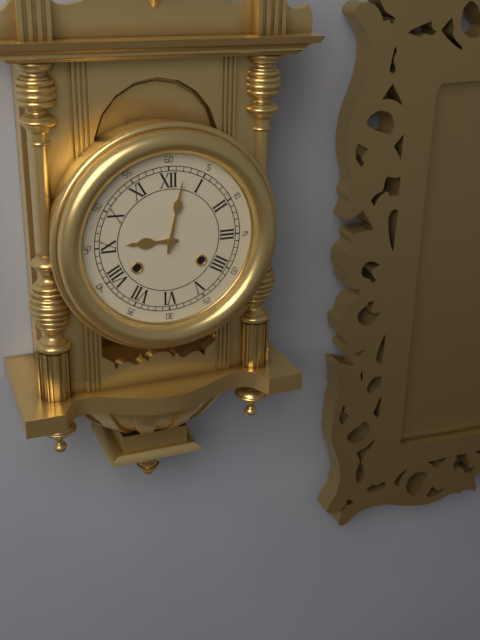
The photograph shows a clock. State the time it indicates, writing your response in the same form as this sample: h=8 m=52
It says h=9 m=2
